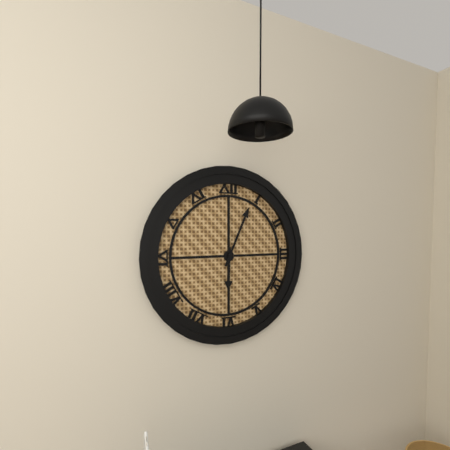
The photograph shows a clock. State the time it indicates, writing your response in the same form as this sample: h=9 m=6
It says h=6 m=4
